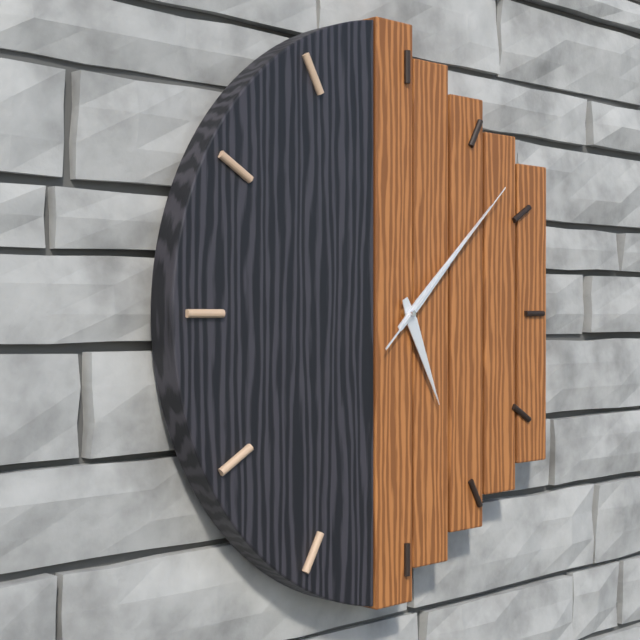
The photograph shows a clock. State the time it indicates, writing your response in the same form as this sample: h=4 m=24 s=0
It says h=5 m=8 s=8
